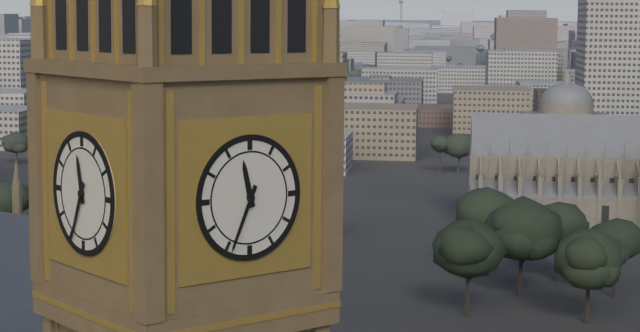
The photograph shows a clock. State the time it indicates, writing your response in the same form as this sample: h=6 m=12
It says h=11 m=34
